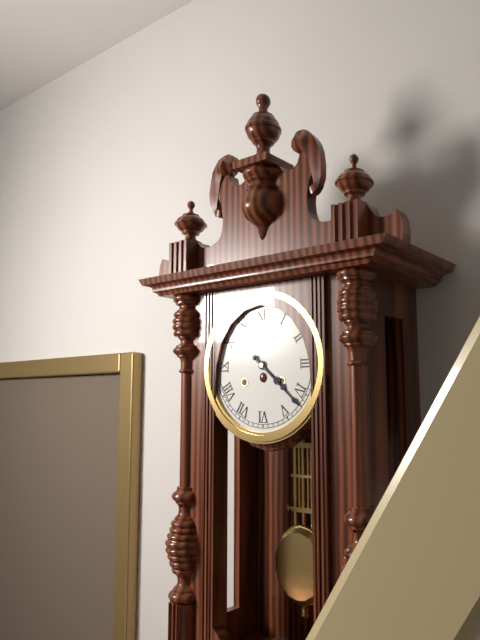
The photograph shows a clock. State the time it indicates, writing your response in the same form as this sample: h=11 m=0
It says h=4 m=22
